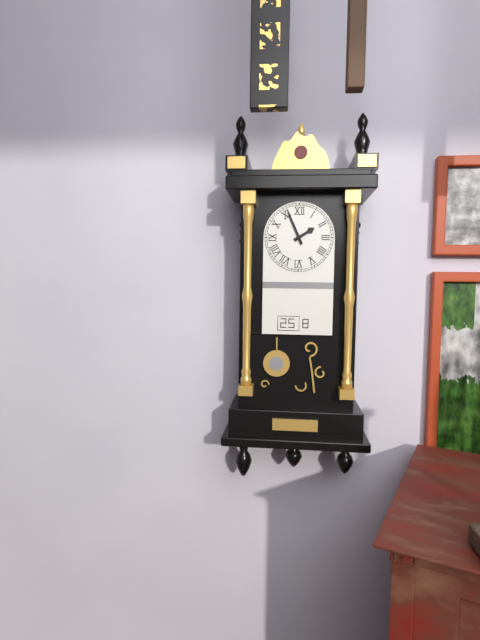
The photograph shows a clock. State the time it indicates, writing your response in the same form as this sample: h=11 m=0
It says h=1 m=56
